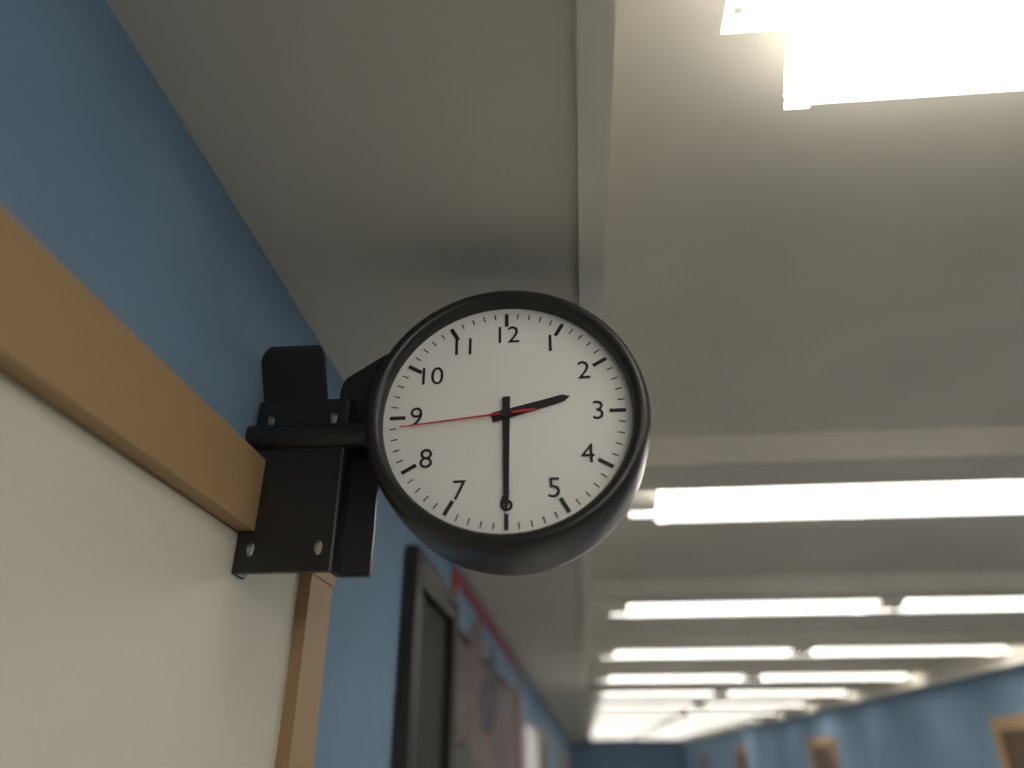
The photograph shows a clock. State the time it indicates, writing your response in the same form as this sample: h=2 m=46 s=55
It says h=2 m=30 s=44
